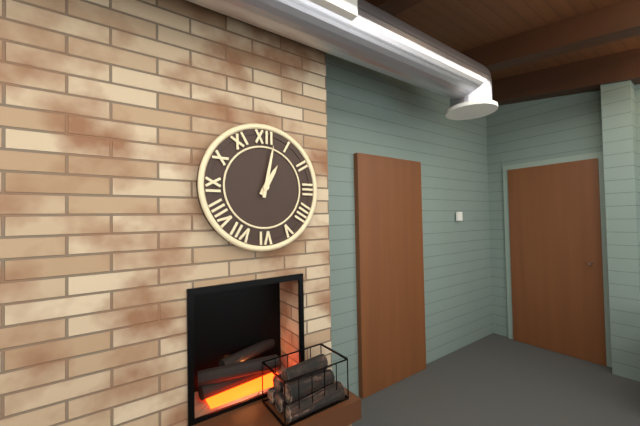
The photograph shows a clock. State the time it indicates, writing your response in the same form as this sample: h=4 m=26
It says h=1 m=2
